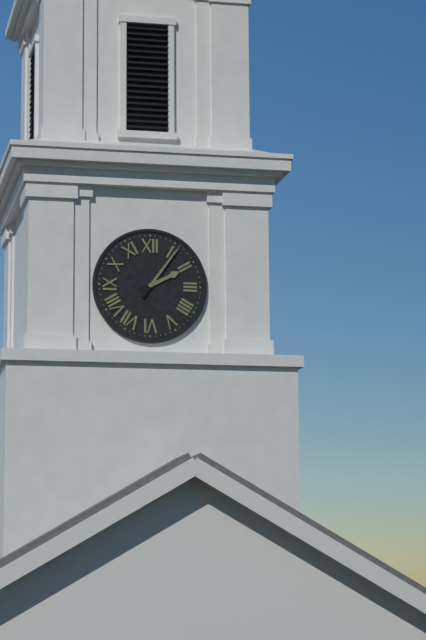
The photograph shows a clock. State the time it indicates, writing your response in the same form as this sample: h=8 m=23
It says h=2 m=6
